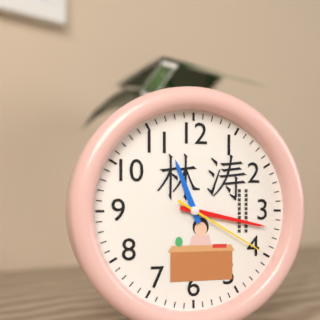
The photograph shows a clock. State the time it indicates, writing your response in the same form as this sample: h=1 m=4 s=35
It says h=11 m=17 s=20
